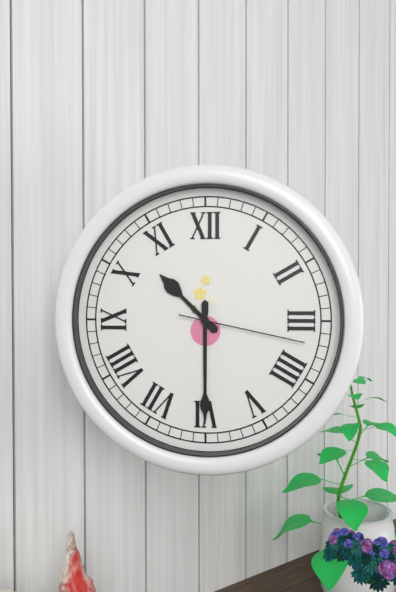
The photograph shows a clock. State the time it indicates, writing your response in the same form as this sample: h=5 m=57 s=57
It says h=10 m=30 s=17
